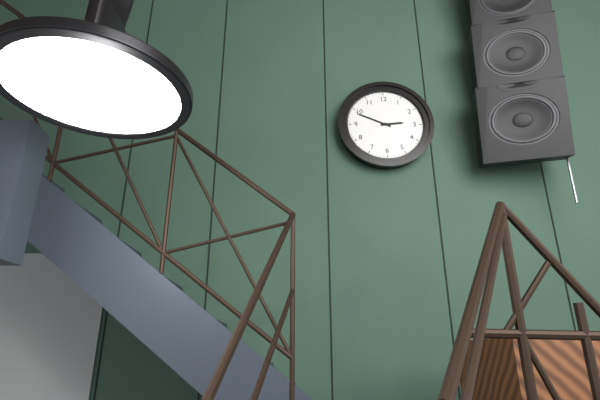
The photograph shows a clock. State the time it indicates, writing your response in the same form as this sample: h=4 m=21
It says h=2 m=49
